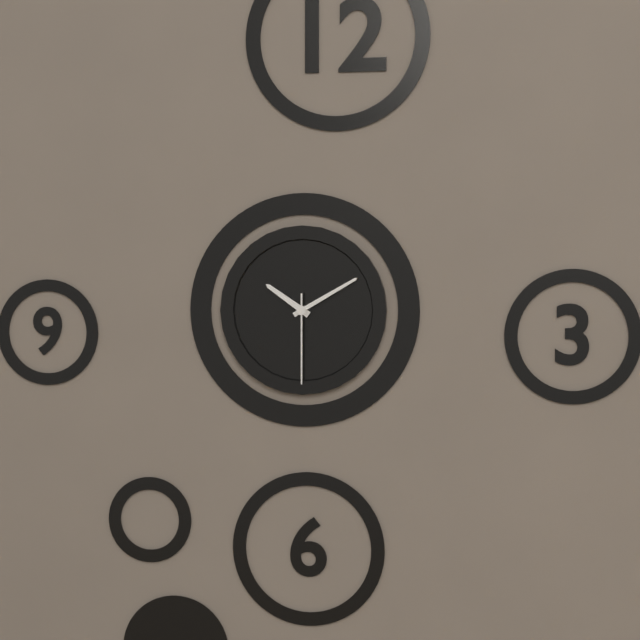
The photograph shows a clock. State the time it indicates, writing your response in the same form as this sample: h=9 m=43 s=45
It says h=10 m=10 s=30
